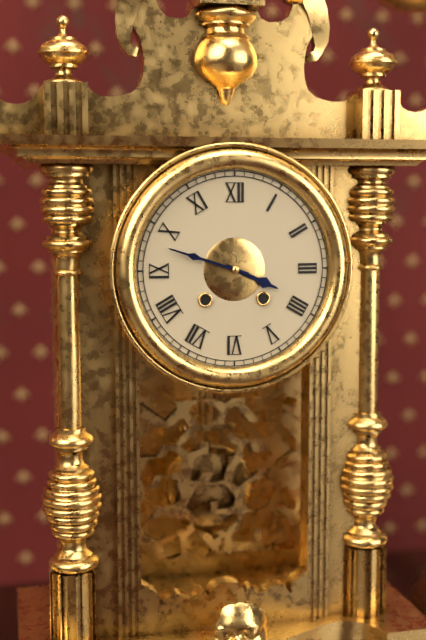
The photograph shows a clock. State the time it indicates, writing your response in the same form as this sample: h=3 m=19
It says h=3 m=48
